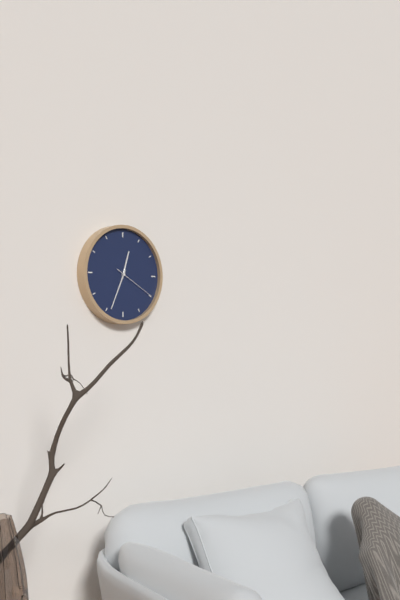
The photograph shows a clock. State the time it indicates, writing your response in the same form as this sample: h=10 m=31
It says h=12 m=34
